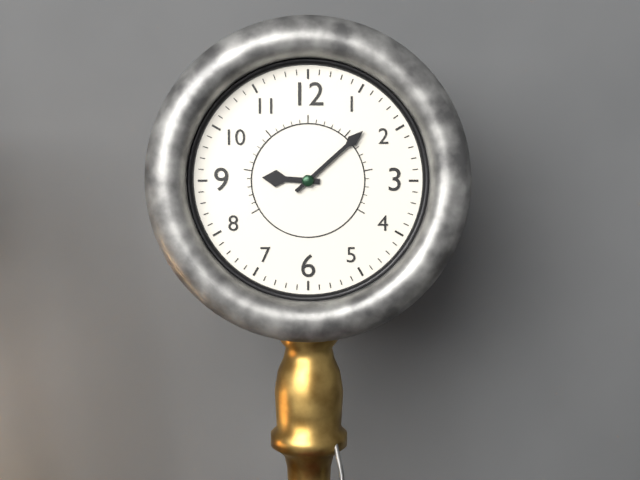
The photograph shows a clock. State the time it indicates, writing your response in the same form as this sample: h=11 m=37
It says h=9 m=8
